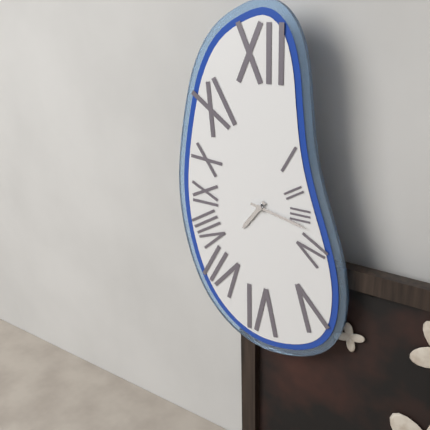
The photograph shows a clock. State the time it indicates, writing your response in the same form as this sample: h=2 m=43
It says h=7 m=17
